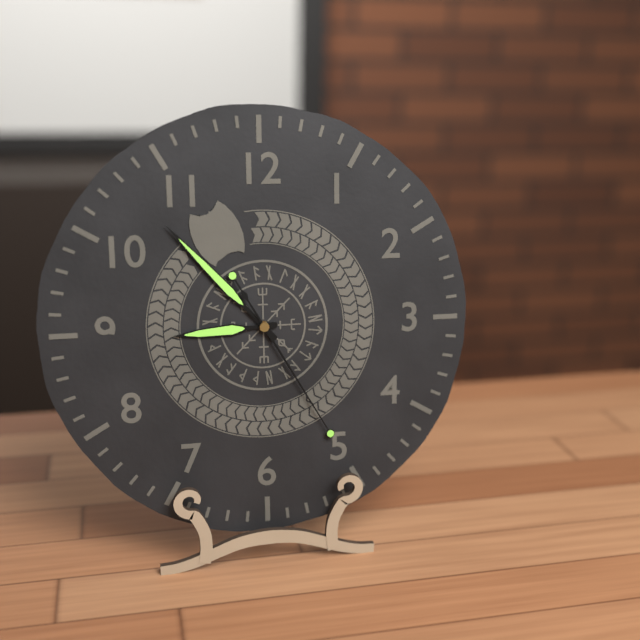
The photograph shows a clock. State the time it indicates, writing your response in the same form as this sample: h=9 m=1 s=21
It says h=8 m=53 s=25
